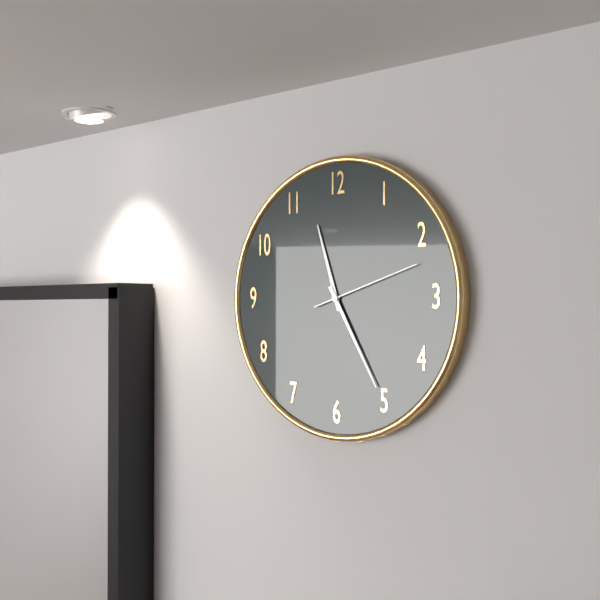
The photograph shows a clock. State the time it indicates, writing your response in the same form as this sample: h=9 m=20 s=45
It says h=11 m=25 s=12
